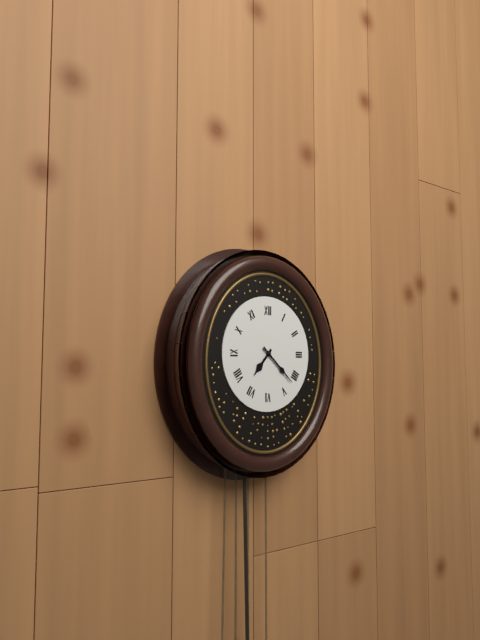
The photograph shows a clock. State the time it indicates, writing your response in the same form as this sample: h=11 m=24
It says h=7 m=22
